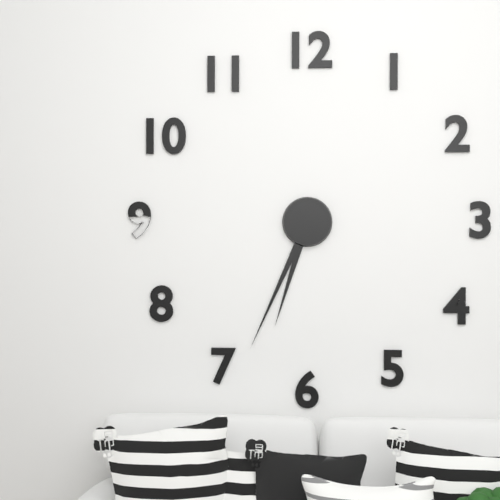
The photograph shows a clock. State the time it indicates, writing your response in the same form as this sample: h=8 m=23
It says h=6 m=34
